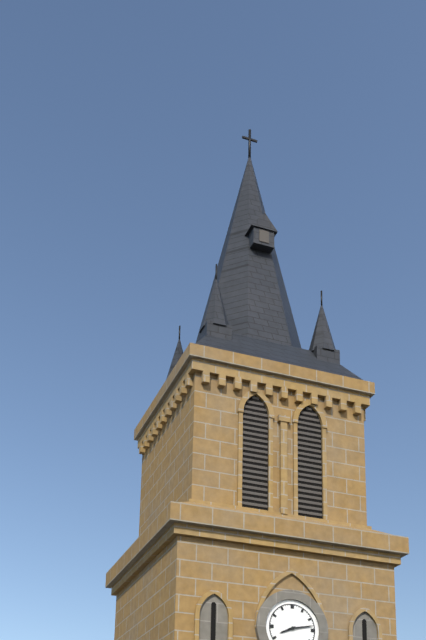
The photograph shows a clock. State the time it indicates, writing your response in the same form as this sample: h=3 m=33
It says h=8 m=13
